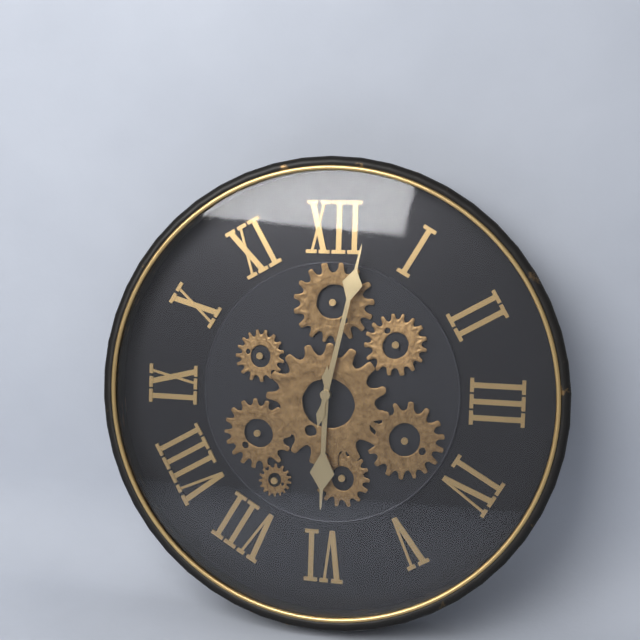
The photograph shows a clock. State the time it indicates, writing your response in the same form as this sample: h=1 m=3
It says h=6 m=2
